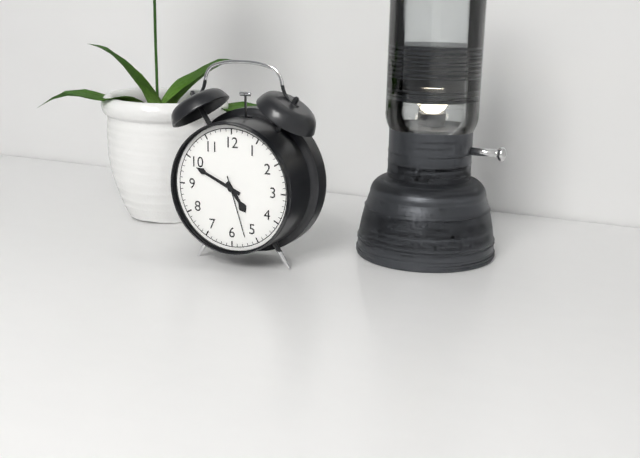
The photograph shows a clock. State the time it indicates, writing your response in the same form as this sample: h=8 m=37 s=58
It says h=4 m=49 s=27
